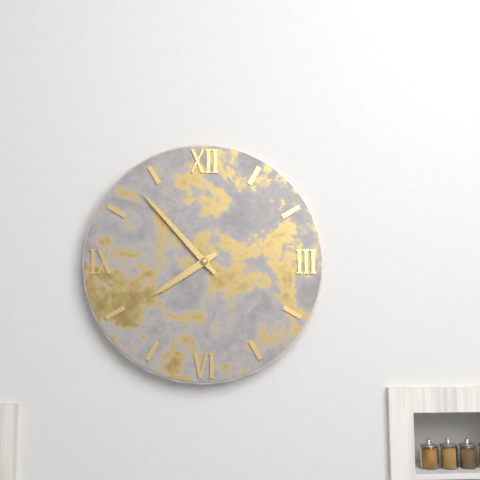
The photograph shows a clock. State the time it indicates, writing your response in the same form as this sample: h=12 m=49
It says h=7 m=53
